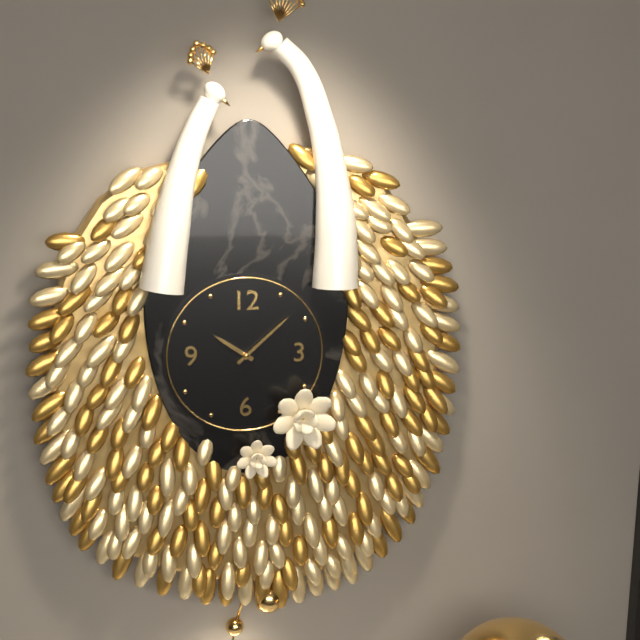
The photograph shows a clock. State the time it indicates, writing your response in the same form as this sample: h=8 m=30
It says h=10 m=8
